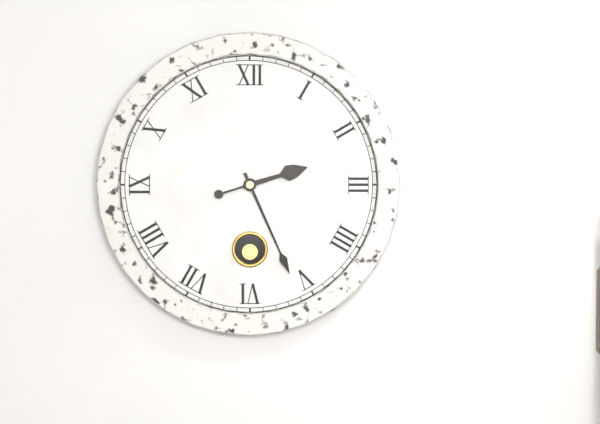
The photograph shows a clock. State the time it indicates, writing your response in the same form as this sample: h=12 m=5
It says h=2 m=26
